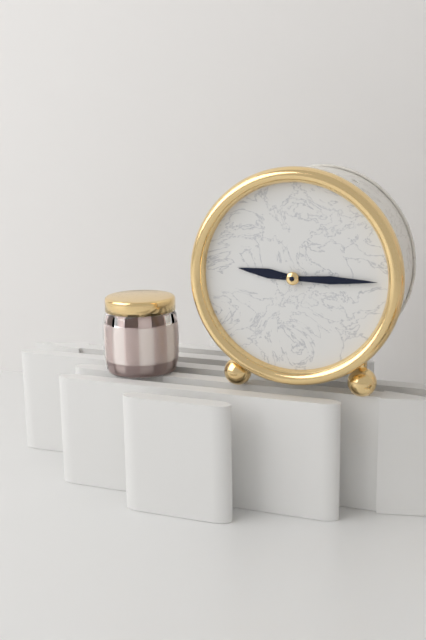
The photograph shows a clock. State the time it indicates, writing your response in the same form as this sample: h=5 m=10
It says h=9 m=15
